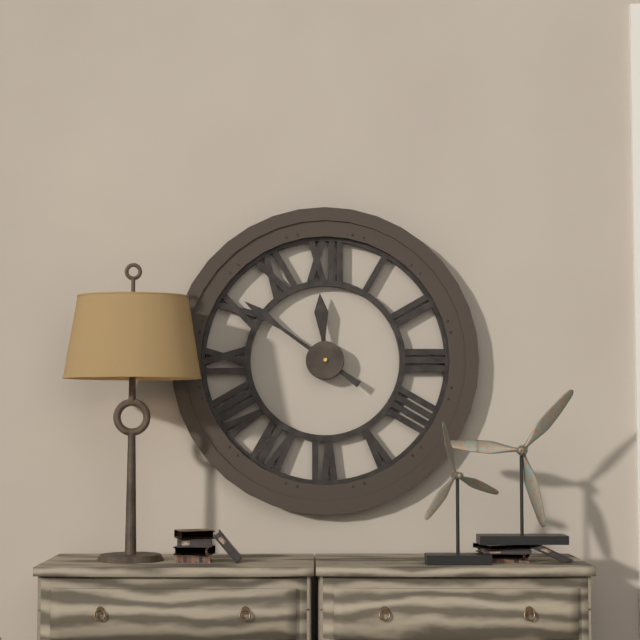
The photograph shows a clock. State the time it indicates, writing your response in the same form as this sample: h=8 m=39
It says h=11 m=51
